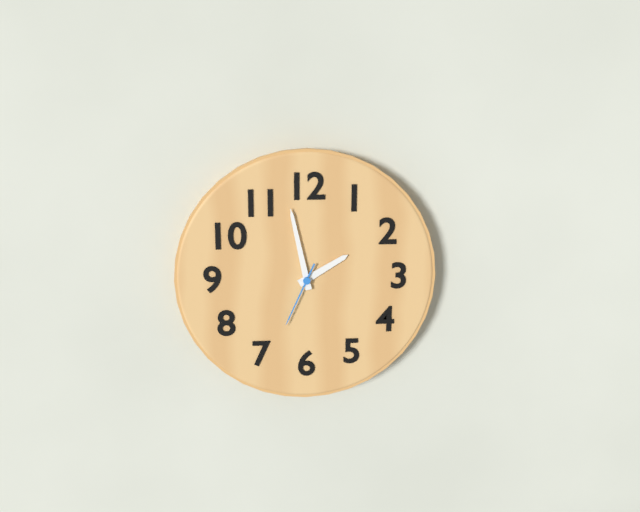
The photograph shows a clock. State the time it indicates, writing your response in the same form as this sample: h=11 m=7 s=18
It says h=1 m=58 s=34
